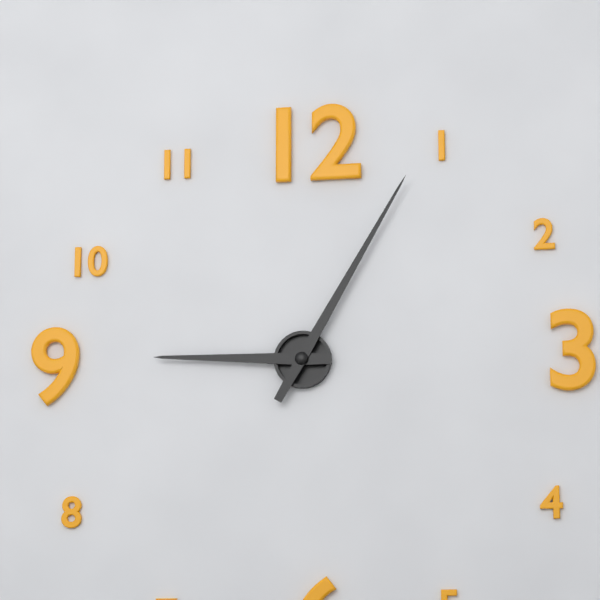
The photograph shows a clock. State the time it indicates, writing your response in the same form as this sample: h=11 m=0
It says h=9 m=5
